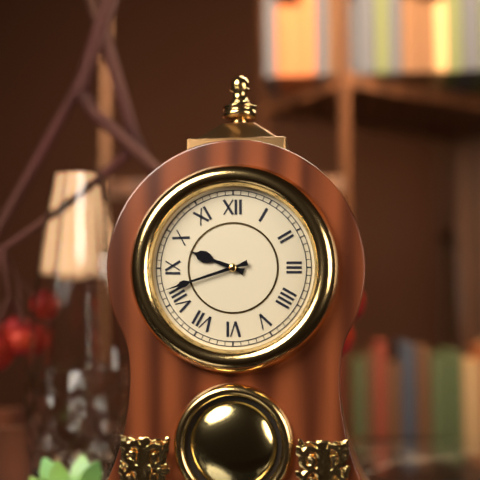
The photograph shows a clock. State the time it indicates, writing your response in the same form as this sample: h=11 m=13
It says h=9 m=42
